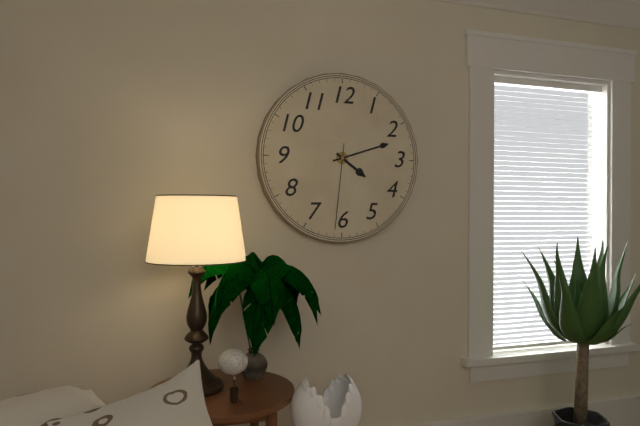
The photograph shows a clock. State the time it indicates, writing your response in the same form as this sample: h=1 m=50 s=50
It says h=4 m=12 s=31
